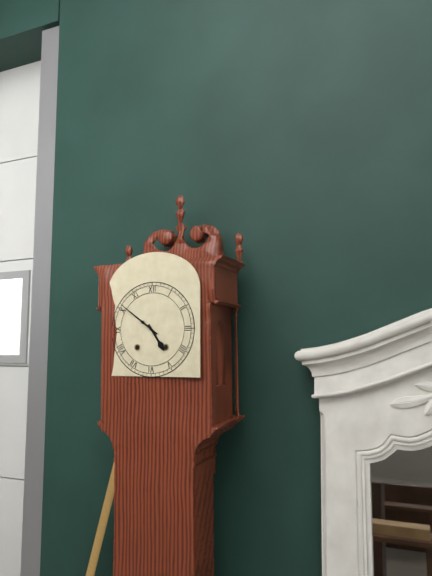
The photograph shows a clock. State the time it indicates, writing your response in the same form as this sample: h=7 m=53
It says h=4 m=51
